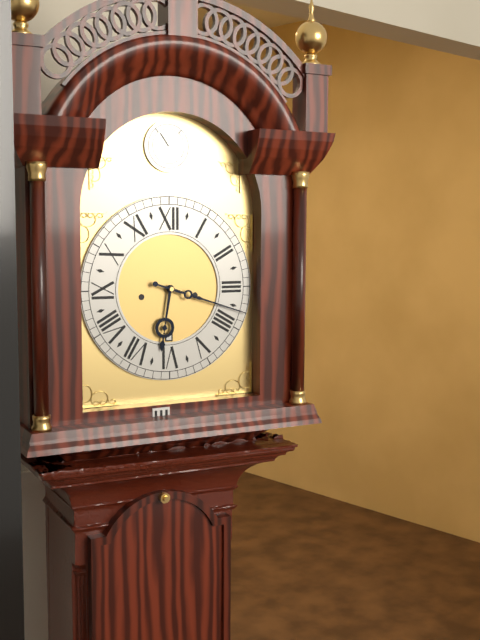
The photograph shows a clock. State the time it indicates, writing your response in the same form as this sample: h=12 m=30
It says h=6 m=18
